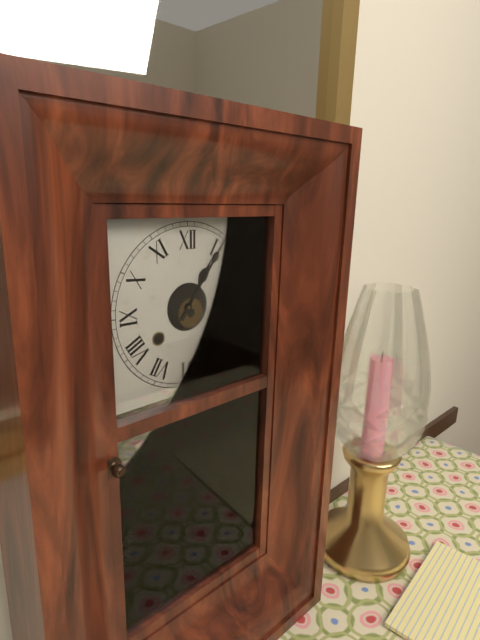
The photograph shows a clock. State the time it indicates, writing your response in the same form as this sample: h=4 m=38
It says h=1 m=6
